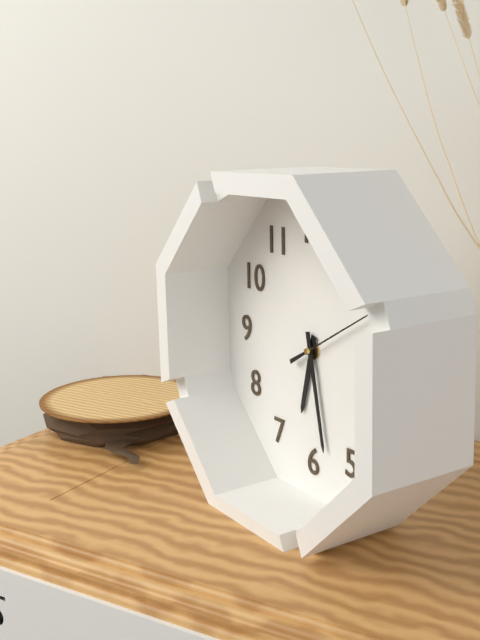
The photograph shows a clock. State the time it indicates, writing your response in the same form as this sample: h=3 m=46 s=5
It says h=6 m=28 s=10
